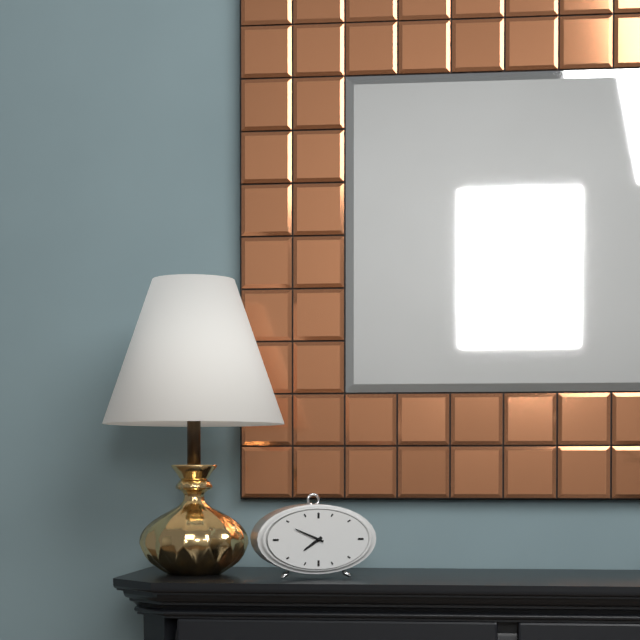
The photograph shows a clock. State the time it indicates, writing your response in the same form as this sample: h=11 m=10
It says h=7 m=49
